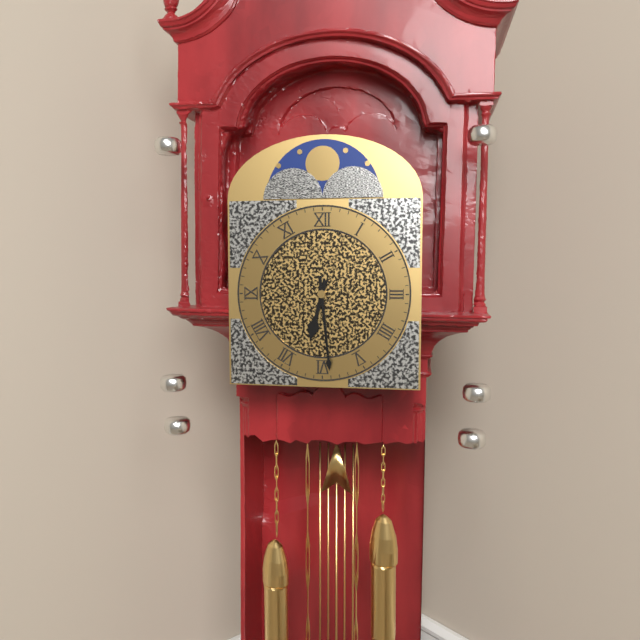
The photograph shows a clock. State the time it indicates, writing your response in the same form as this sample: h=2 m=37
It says h=6 m=29
